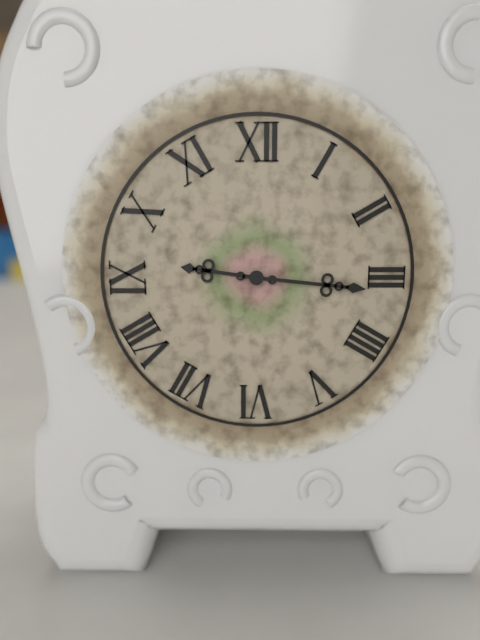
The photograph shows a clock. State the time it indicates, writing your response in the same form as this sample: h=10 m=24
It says h=9 m=16
